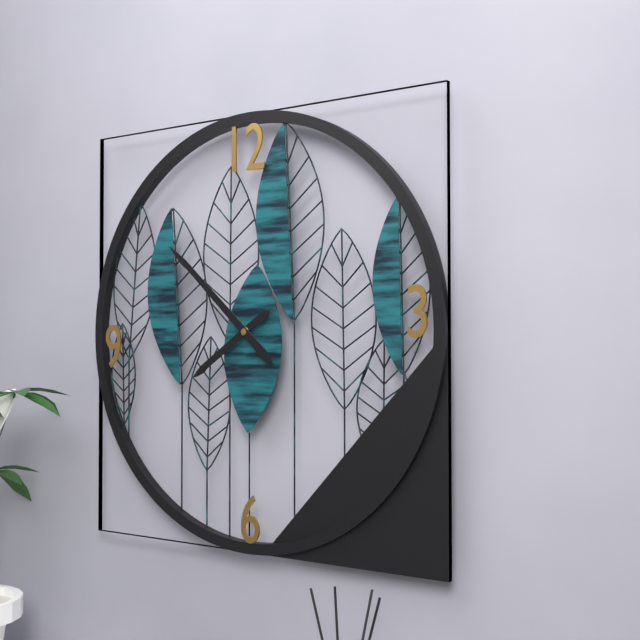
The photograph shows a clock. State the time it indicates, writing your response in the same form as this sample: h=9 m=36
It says h=7 m=52
